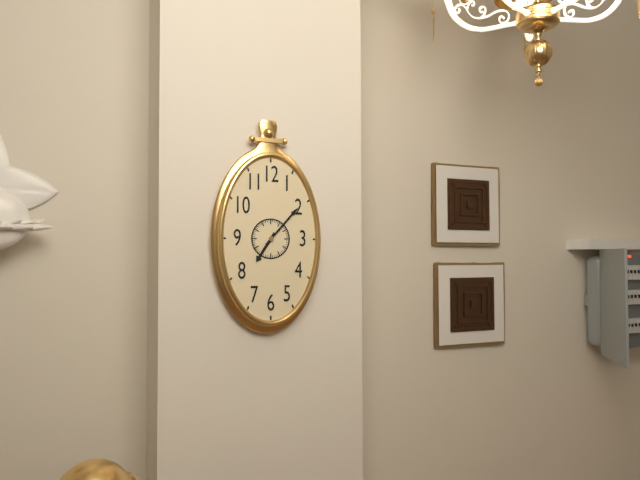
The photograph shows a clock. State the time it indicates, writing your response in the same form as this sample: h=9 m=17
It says h=7 m=7
